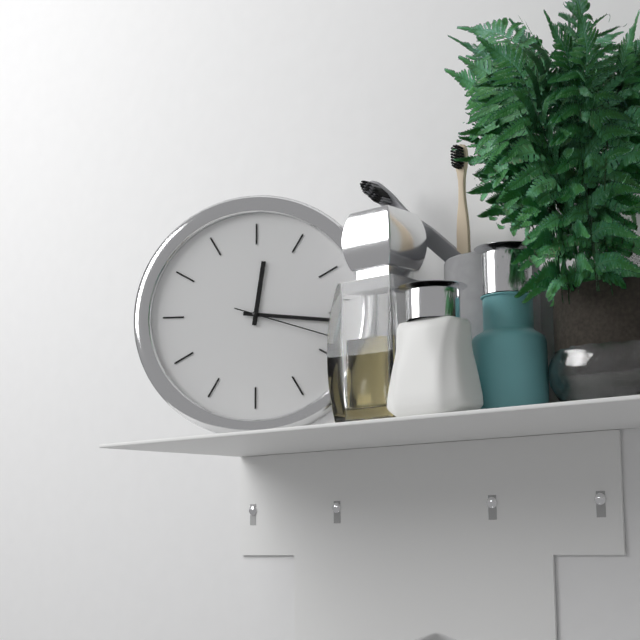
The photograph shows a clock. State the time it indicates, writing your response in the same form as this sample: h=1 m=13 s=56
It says h=12 m=16 s=18
